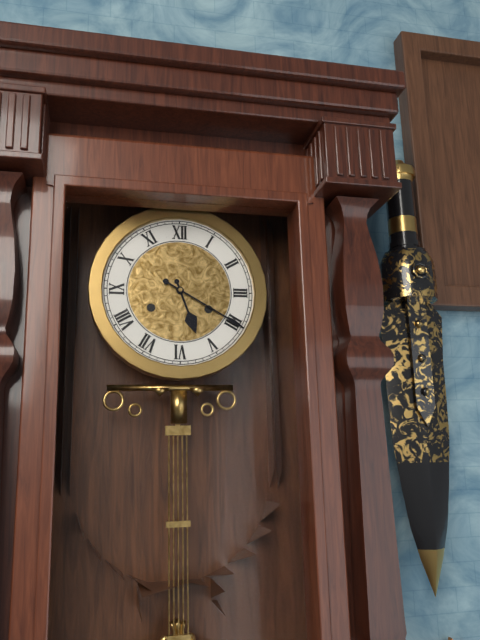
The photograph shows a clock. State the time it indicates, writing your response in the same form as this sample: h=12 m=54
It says h=5 m=20
